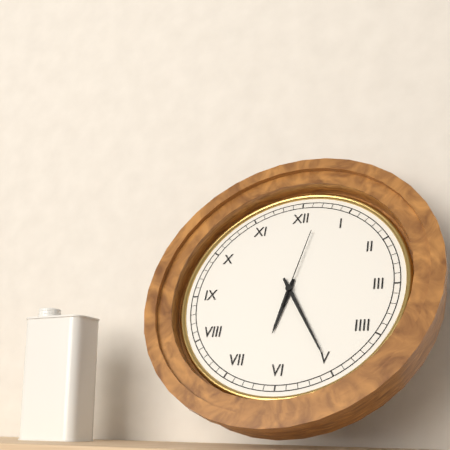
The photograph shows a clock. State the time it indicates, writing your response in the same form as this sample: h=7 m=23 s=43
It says h=6 m=25 s=2
